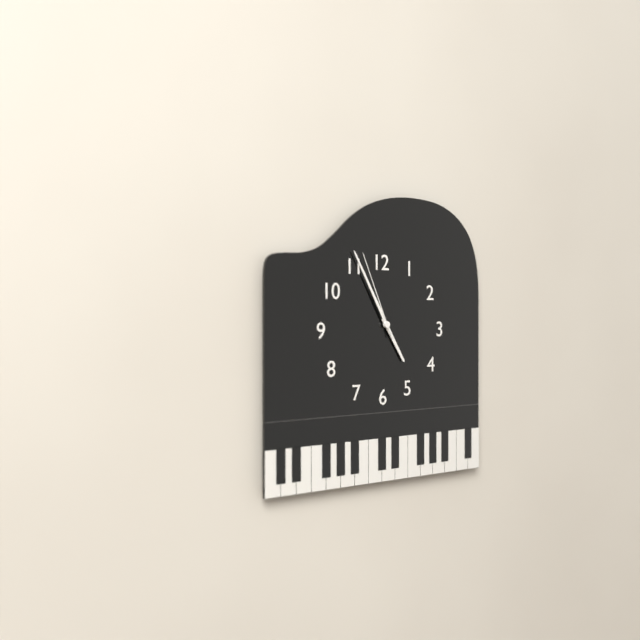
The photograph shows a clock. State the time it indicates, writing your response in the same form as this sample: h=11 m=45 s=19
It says h=4 m=55 s=56
